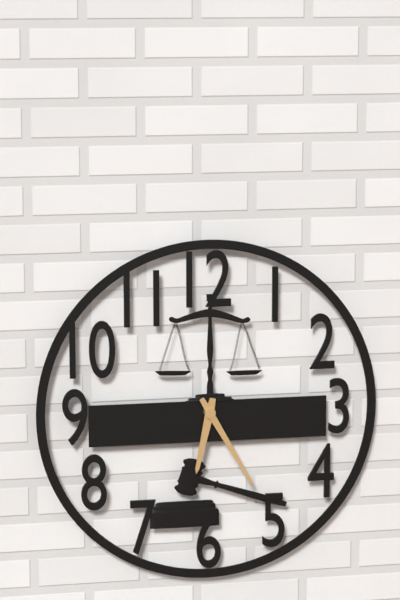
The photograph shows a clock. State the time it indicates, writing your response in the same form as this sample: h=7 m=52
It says h=6 m=25
